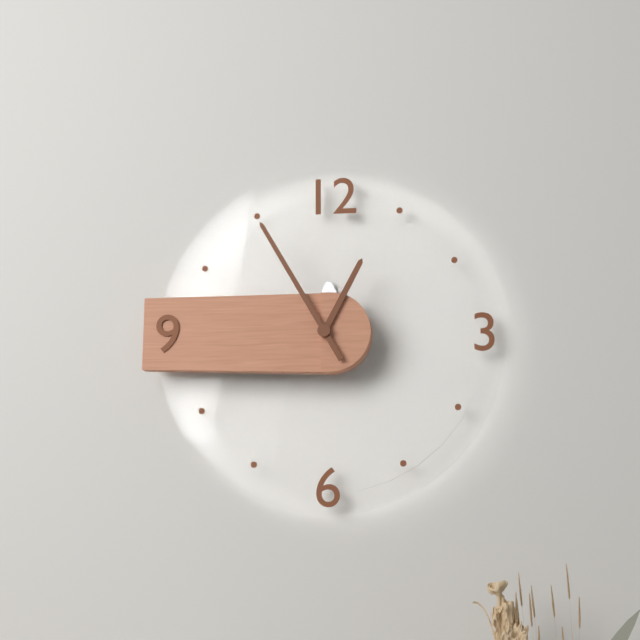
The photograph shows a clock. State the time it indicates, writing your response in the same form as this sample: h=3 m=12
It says h=12 m=55
